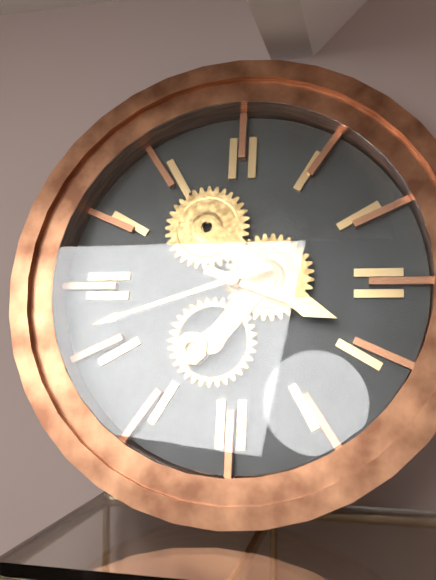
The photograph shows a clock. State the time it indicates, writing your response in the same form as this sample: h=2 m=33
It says h=3 m=42
